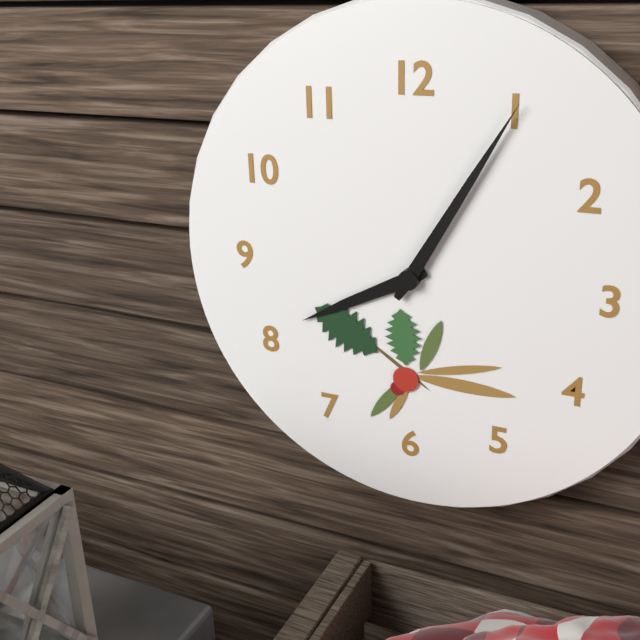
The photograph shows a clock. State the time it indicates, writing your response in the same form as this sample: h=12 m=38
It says h=8 m=5
